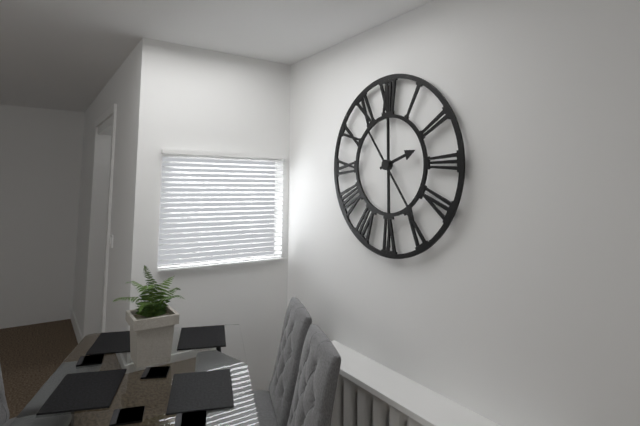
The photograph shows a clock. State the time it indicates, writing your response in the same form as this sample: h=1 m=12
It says h=2 m=24
